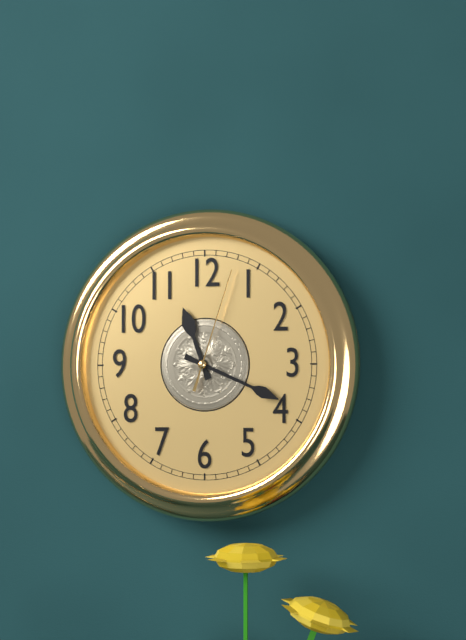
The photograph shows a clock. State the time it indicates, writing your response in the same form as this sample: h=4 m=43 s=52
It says h=11 m=19 s=3
